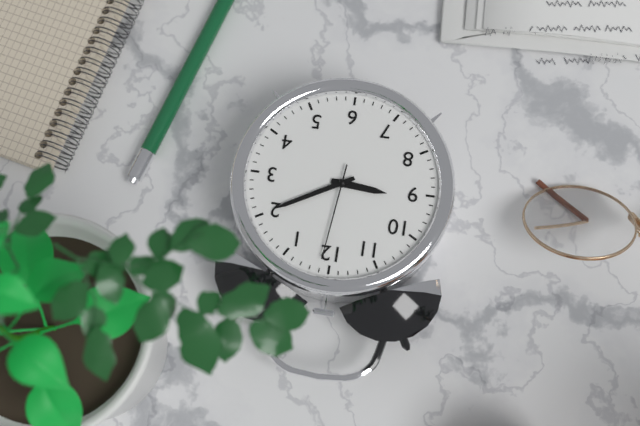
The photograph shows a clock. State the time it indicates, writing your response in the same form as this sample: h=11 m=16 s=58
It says h=9 m=10 s=1
